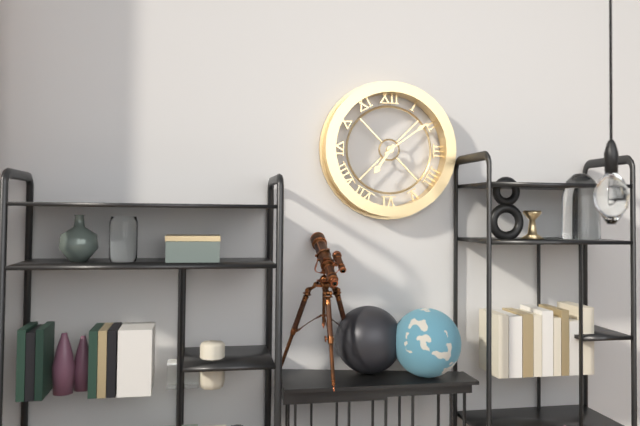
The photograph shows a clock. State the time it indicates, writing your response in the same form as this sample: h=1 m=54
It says h=7 m=9
